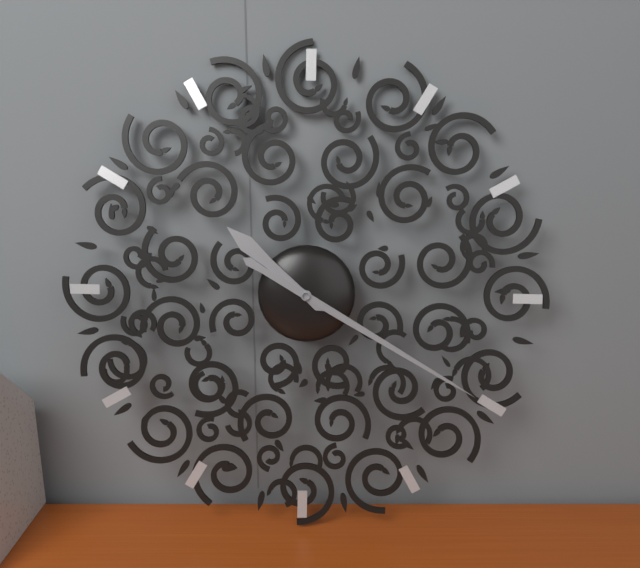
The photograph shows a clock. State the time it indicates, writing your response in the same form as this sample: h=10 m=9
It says h=10 m=20
